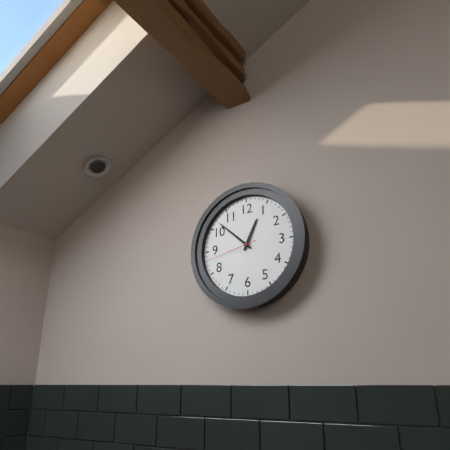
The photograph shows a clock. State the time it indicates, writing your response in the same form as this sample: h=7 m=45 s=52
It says h=12 m=52 s=43
